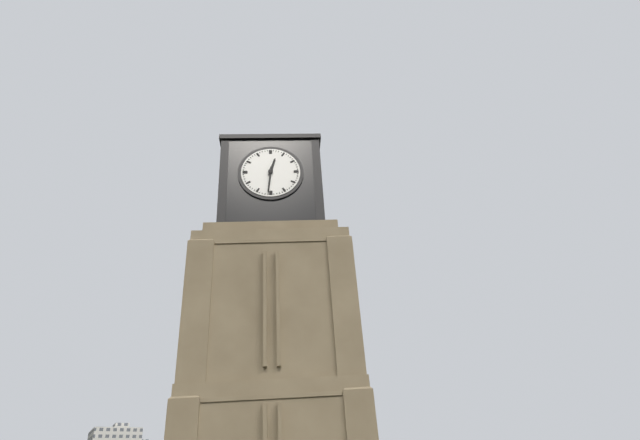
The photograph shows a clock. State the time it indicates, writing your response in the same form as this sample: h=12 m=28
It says h=12 m=31
